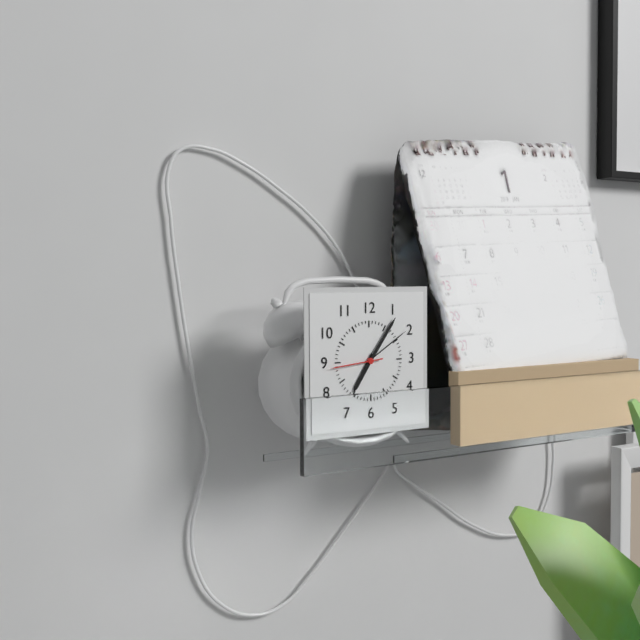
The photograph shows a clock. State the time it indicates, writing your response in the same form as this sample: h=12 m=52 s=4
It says h=7 m=6 s=44
